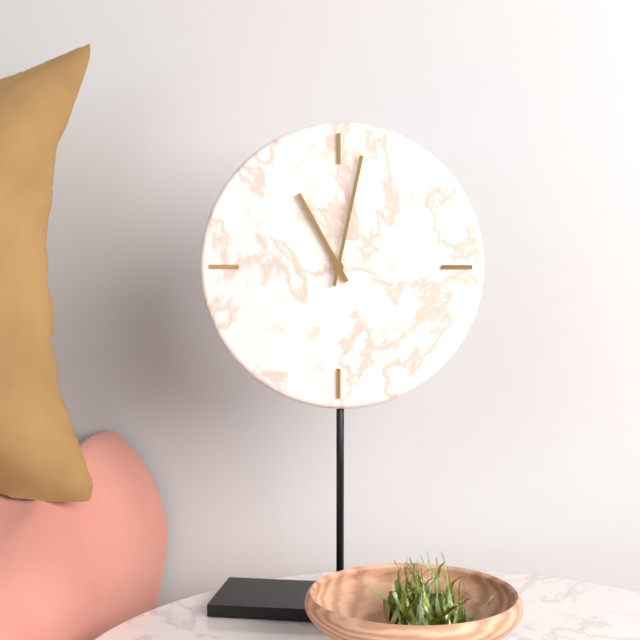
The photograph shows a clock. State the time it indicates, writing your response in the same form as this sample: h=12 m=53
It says h=11 m=2
